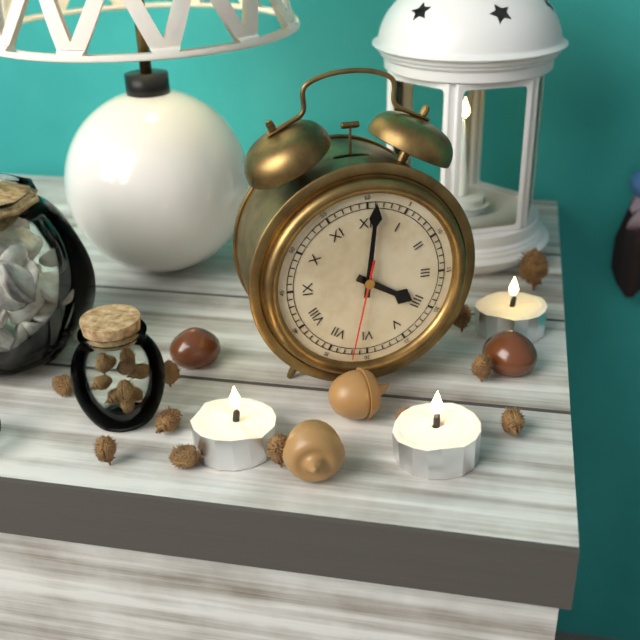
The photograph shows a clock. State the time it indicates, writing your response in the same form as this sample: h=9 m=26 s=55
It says h=4 m=1 s=32
